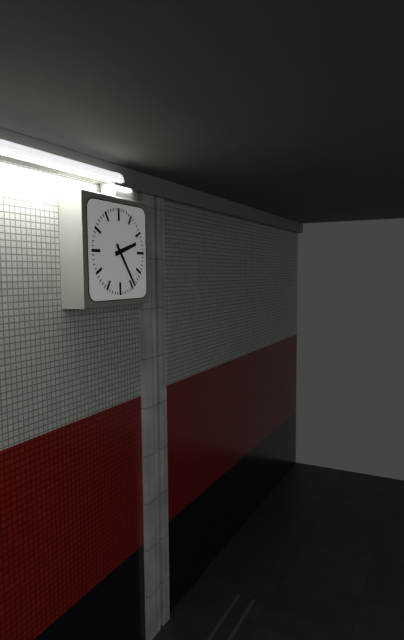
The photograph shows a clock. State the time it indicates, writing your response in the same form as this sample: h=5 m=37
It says h=2 m=24
